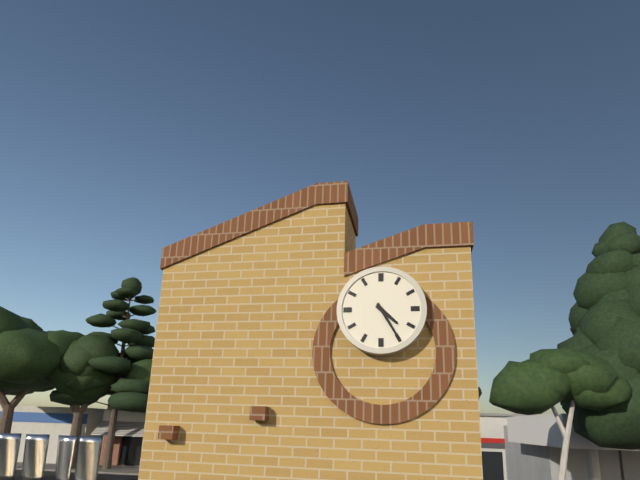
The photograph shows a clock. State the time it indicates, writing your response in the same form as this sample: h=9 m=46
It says h=4 m=25
